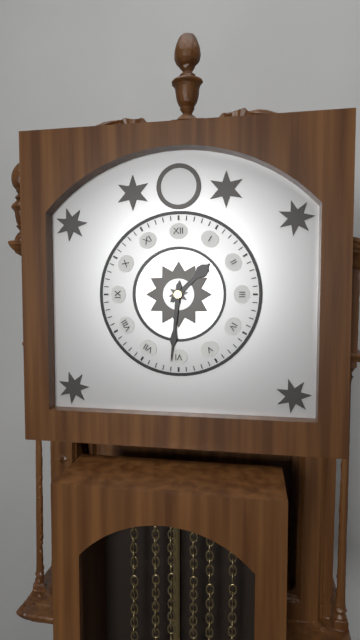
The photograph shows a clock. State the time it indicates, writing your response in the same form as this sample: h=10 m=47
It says h=1 m=31
